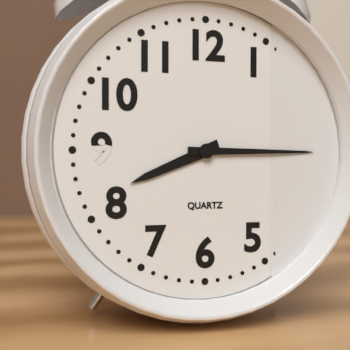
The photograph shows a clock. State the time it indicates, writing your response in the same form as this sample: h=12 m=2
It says h=8 m=15
